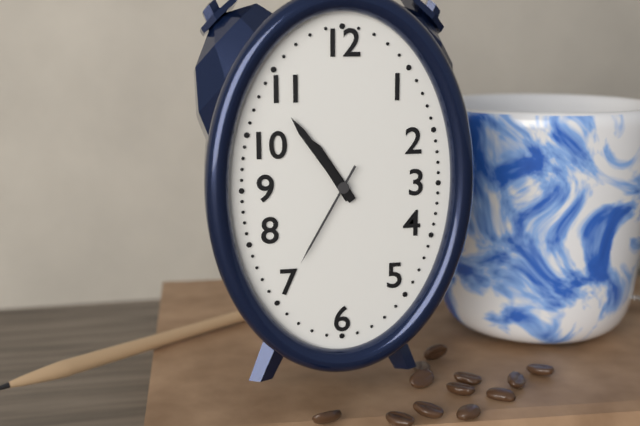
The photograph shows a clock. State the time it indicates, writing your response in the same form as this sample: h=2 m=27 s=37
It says h=10 m=54 s=35
